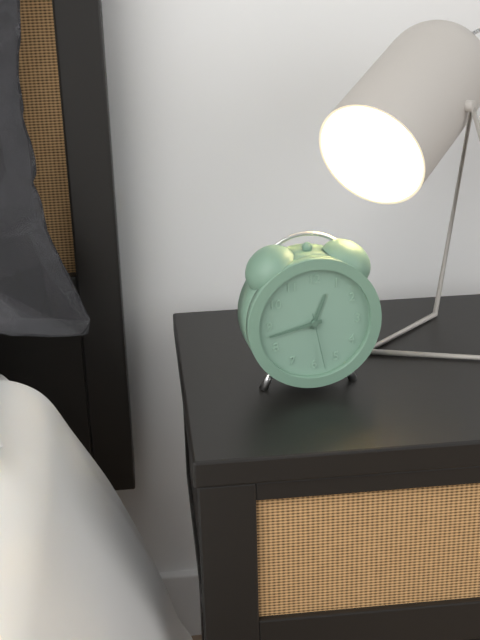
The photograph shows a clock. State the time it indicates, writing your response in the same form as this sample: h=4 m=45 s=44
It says h=12 m=43 s=28
